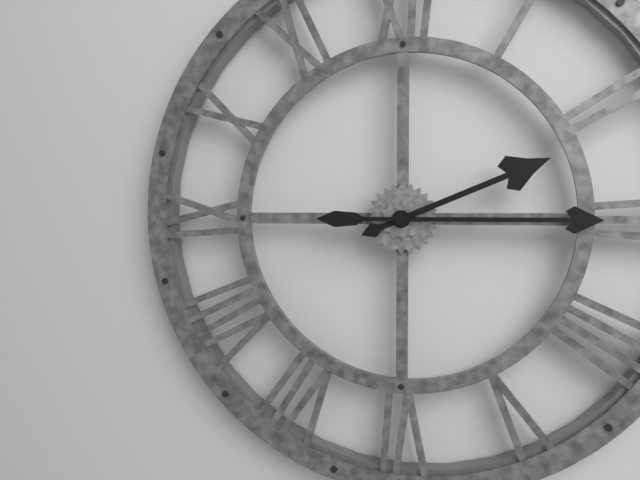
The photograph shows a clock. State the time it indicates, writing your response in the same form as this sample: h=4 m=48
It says h=2 m=15
